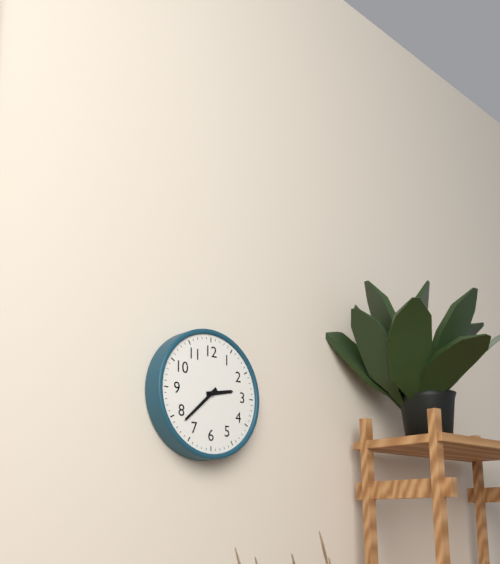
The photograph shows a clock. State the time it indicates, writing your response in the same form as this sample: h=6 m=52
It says h=2 m=38
